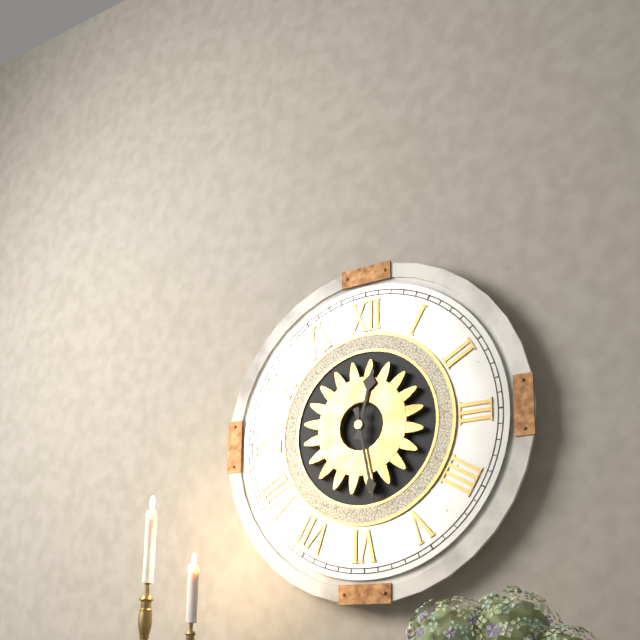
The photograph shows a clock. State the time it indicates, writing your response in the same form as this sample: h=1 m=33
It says h=12 m=28
